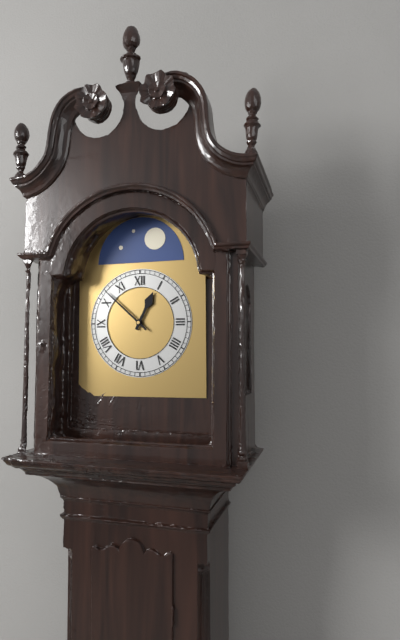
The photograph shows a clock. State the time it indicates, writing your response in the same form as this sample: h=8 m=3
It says h=12 m=52
